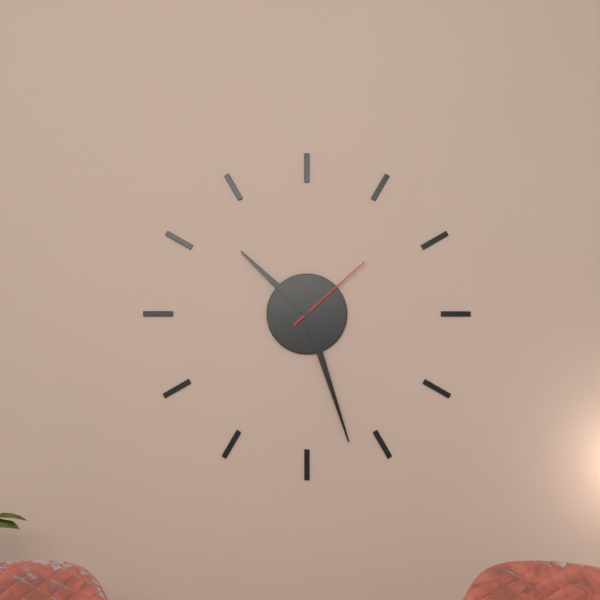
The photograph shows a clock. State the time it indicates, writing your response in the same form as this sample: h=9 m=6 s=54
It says h=10 m=27 s=8
